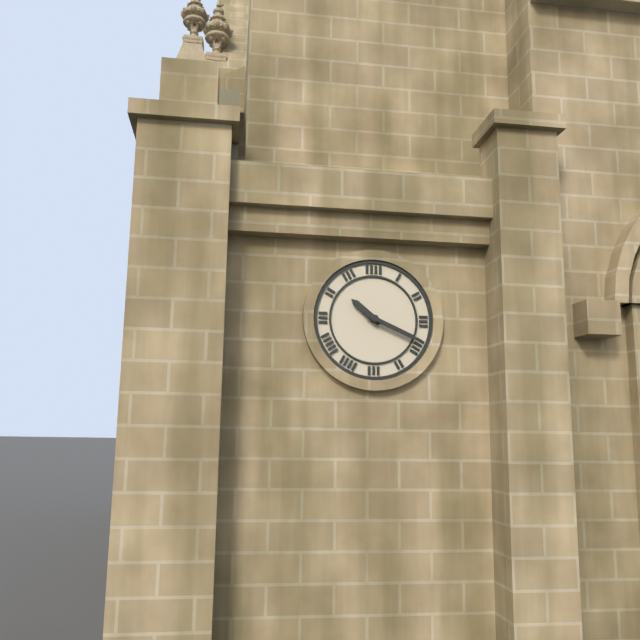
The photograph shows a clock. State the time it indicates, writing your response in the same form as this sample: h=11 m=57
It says h=10 m=19
